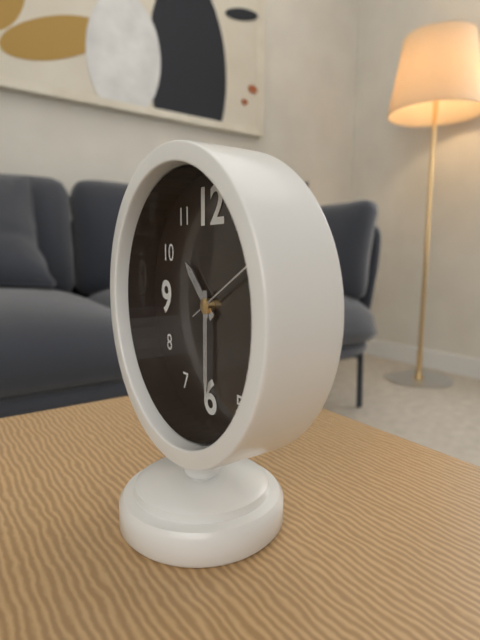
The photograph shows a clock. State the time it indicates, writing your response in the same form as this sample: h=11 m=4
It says h=10 m=30
